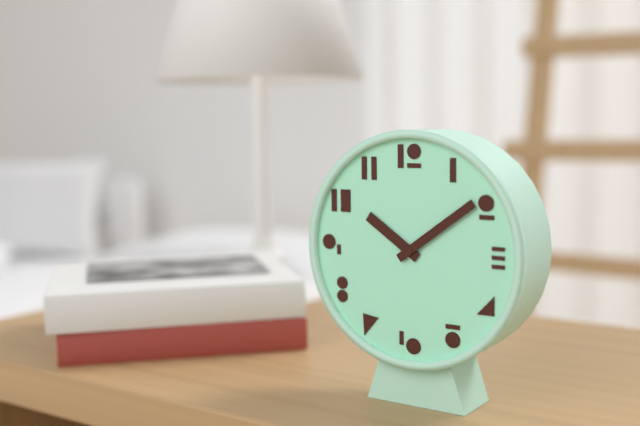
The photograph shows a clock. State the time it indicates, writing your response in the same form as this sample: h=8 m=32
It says h=10 m=9
